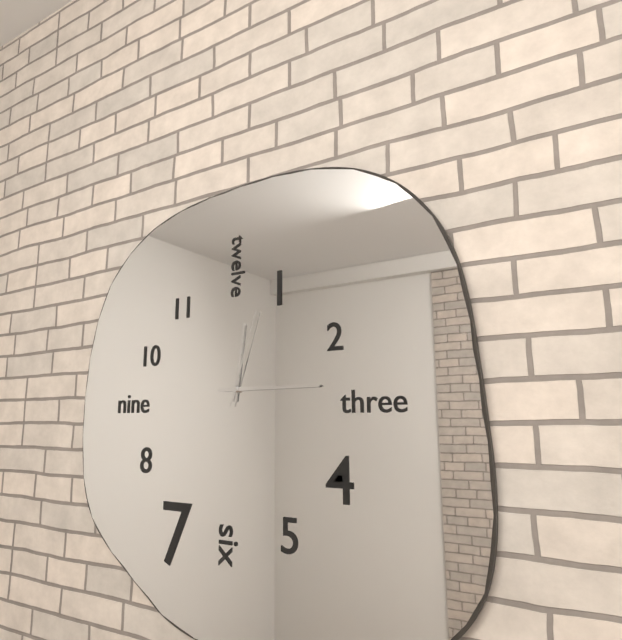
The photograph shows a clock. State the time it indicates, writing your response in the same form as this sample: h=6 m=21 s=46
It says h=12 m=15 s=3
